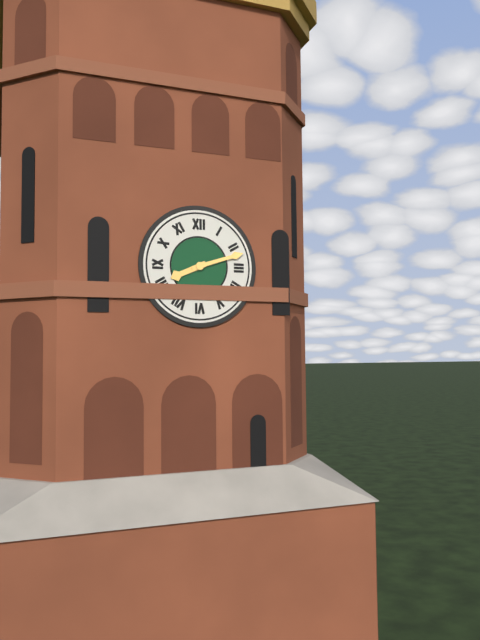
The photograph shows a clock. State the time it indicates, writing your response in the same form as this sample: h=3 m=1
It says h=8 m=12
